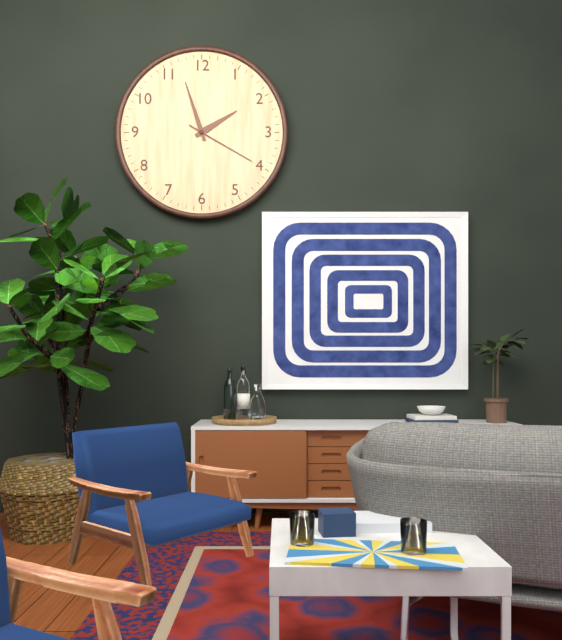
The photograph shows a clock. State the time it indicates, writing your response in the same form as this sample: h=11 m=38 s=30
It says h=1 m=57 s=20
